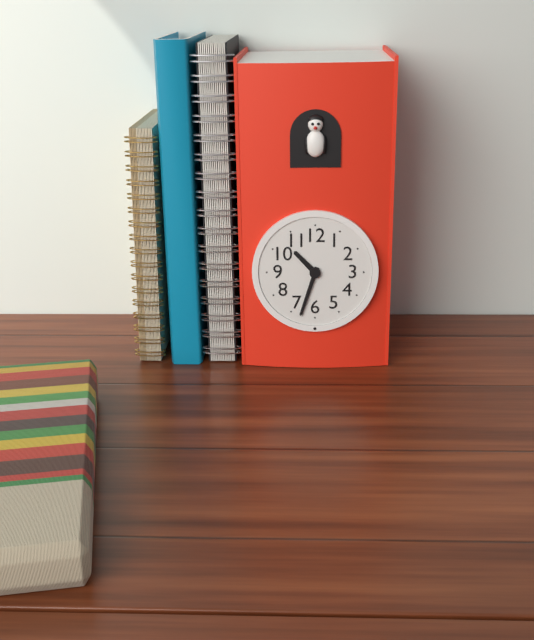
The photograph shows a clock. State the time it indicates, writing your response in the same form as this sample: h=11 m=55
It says h=10 m=33
